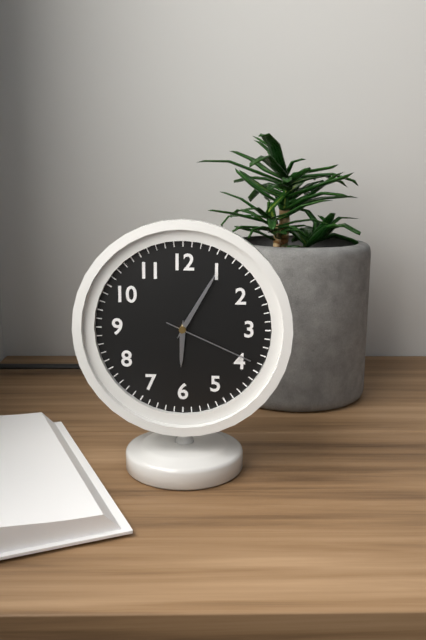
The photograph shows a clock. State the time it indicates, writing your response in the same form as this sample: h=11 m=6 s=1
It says h=6 m=5 s=19
